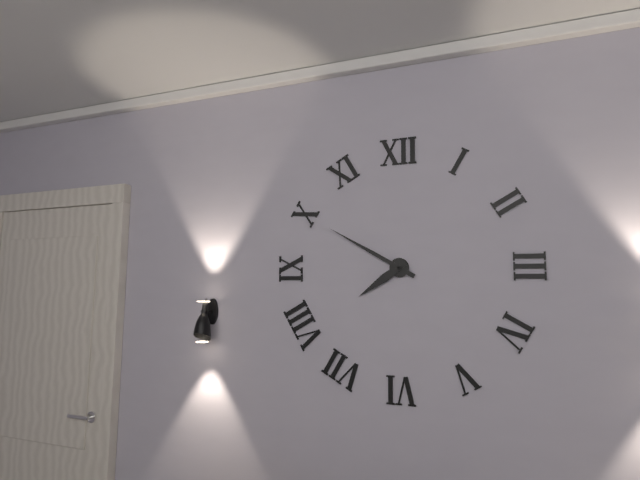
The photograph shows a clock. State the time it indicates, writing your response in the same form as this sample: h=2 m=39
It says h=7 m=50
